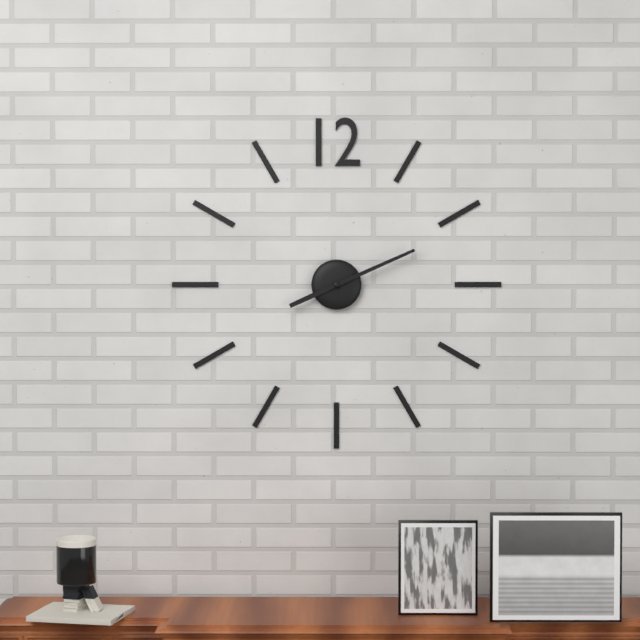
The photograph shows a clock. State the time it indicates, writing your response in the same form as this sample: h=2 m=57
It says h=8 m=11
